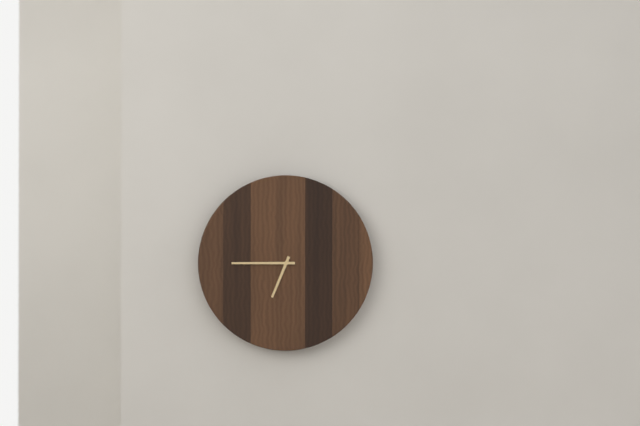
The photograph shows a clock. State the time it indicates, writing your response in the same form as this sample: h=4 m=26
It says h=6 m=45
